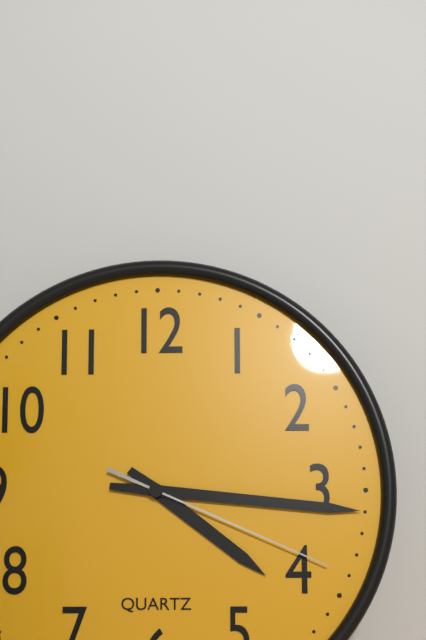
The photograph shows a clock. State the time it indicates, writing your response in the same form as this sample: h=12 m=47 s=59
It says h=4 m=16 s=19
